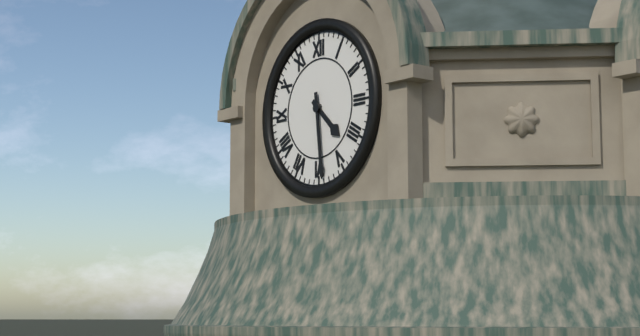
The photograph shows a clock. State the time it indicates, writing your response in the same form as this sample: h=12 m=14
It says h=4 m=29
